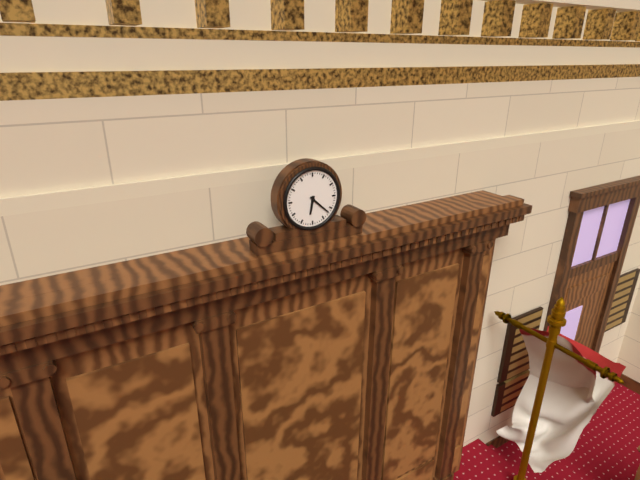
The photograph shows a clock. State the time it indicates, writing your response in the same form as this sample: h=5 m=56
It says h=6 m=22
